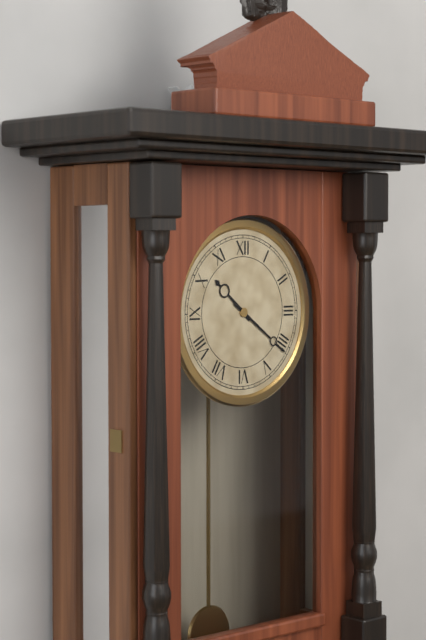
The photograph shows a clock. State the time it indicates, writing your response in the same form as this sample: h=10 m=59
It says h=10 m=21
